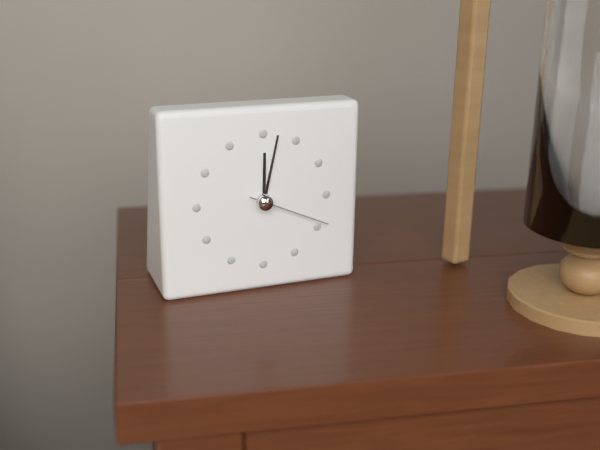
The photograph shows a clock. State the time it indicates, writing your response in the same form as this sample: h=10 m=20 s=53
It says h=12 m=2 s=19
